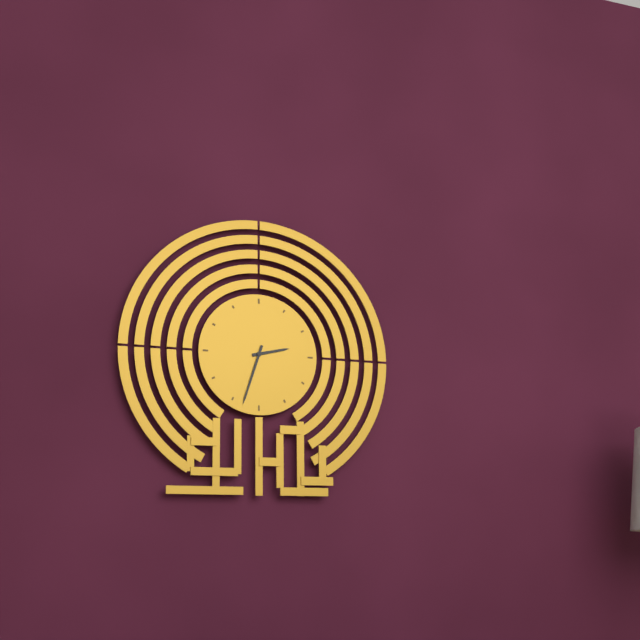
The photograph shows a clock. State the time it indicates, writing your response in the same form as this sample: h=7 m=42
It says h=2 m=33
